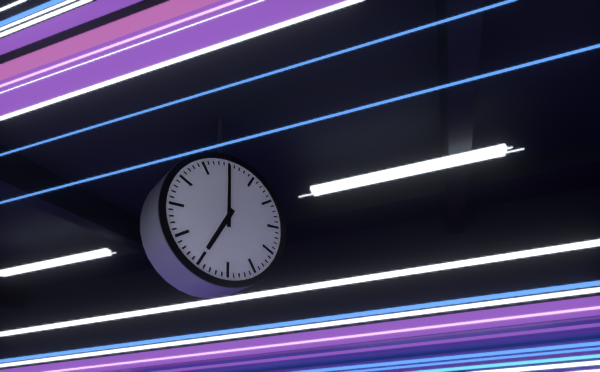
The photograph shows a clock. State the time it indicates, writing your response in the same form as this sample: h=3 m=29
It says h=7 m=0
